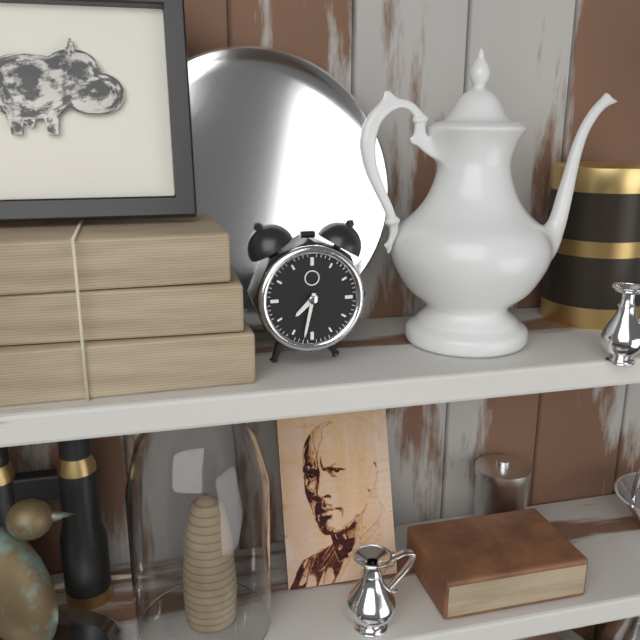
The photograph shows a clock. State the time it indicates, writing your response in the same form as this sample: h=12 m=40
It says h=7 m=32
